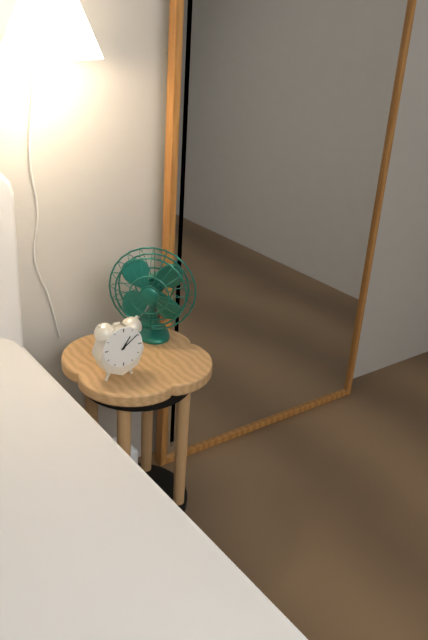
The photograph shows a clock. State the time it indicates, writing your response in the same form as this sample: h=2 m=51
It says h=1 m=9
